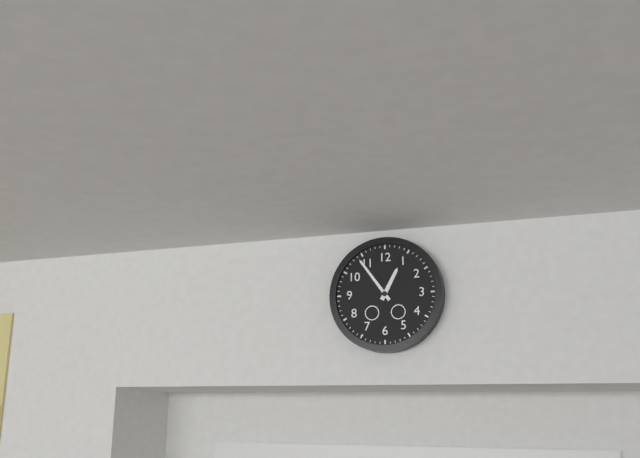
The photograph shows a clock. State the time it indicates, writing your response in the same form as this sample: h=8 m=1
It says h=12 m=54
